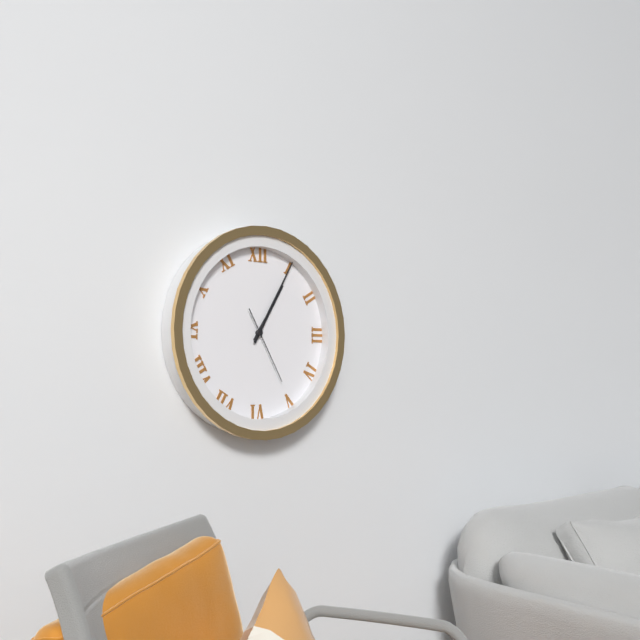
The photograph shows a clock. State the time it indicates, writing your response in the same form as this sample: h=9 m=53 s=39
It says h=1 m=5 s=25
